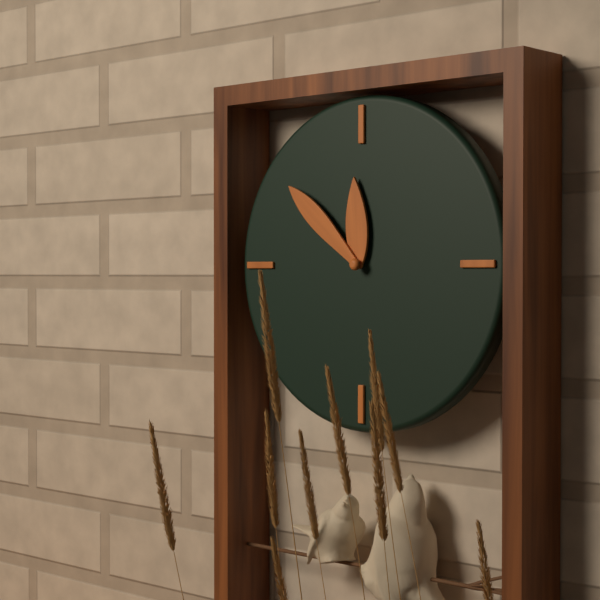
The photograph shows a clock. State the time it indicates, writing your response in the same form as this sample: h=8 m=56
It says h=11 m=52
